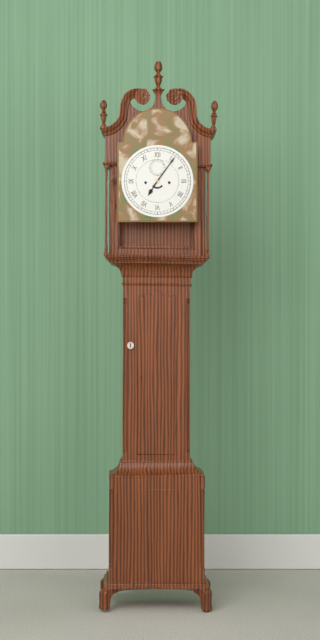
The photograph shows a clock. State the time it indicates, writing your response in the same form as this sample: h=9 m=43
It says h=7 m=6
